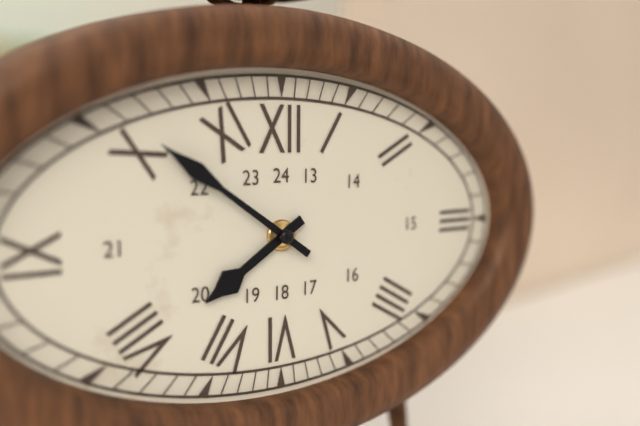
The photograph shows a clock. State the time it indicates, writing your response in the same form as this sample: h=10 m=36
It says h=7 m=51
